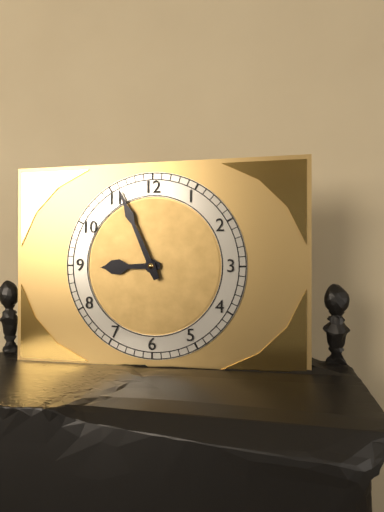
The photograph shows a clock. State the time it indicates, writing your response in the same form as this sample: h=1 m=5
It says h=8 m=56
